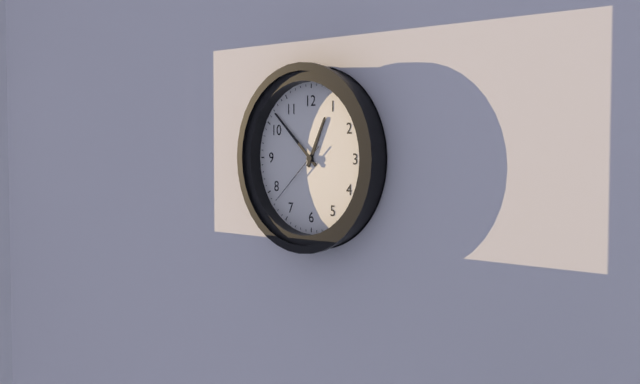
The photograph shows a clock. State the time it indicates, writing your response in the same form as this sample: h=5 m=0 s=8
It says h=12 m=52 s=38
